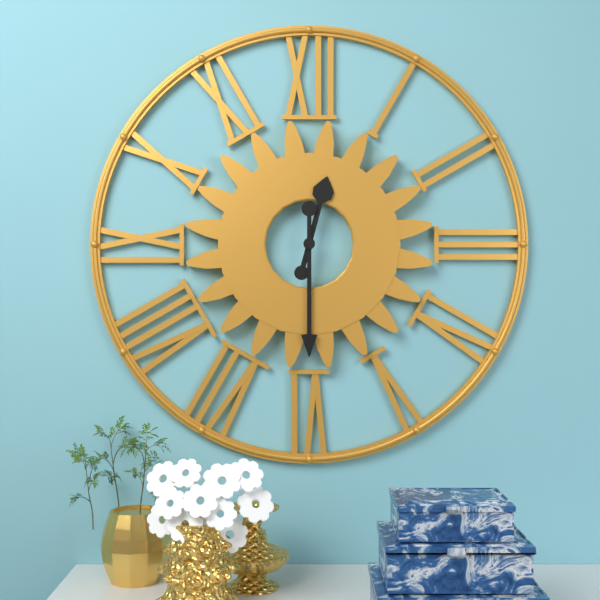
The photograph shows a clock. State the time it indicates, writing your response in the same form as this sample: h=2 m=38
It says h=12 m=30
